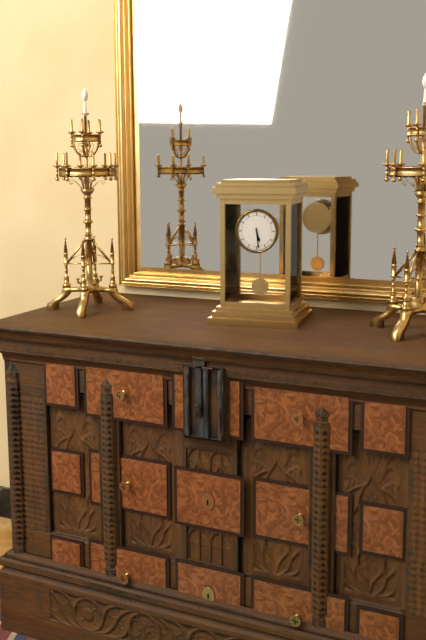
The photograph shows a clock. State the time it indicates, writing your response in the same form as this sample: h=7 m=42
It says h=5 m=29
